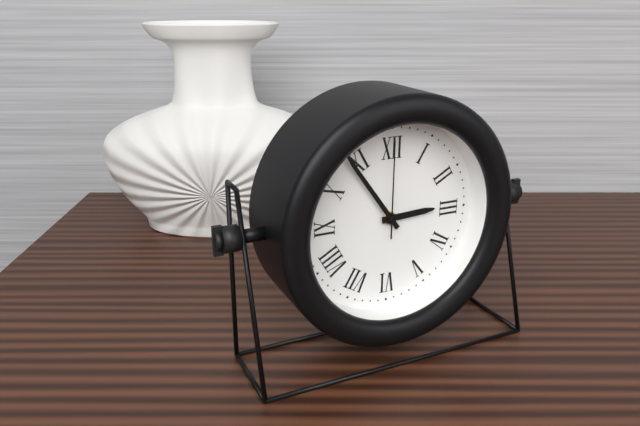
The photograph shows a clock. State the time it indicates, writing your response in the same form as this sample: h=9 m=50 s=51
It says h=2 m=54 s=0
